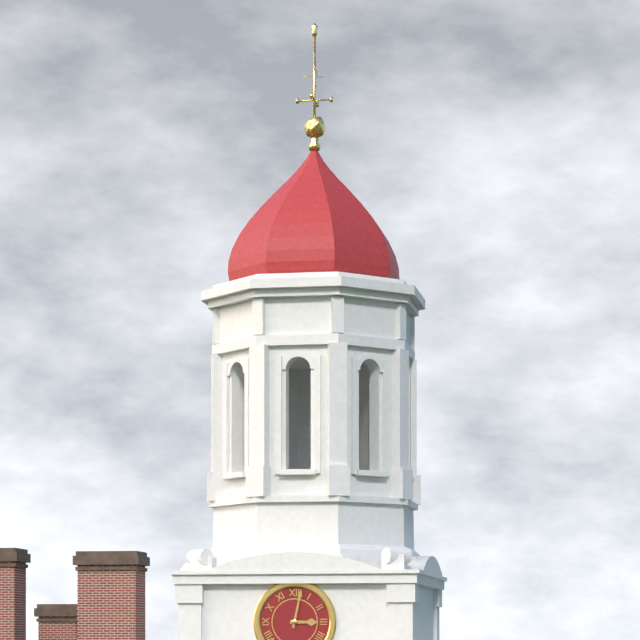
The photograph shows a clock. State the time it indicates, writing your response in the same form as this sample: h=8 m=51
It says h=3 m=2
